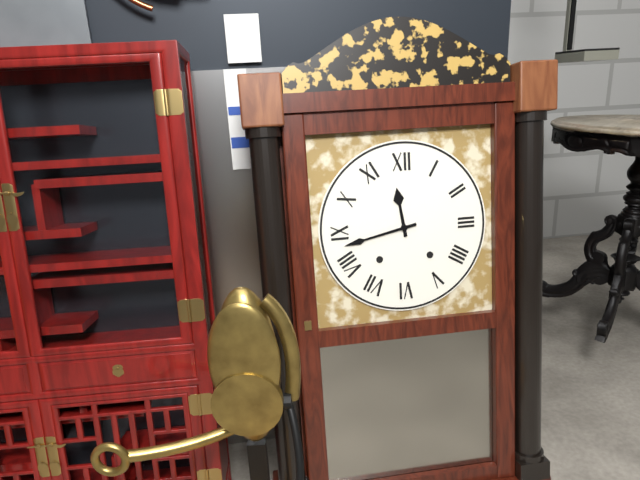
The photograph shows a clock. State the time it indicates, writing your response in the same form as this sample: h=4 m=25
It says h=11 m=43
